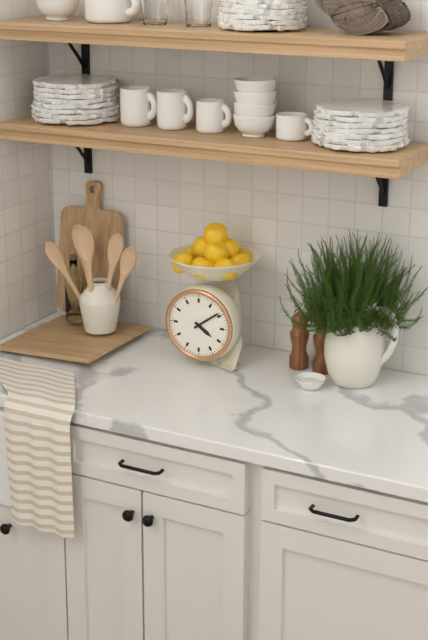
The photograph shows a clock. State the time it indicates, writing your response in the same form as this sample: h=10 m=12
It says h=4 m=9
